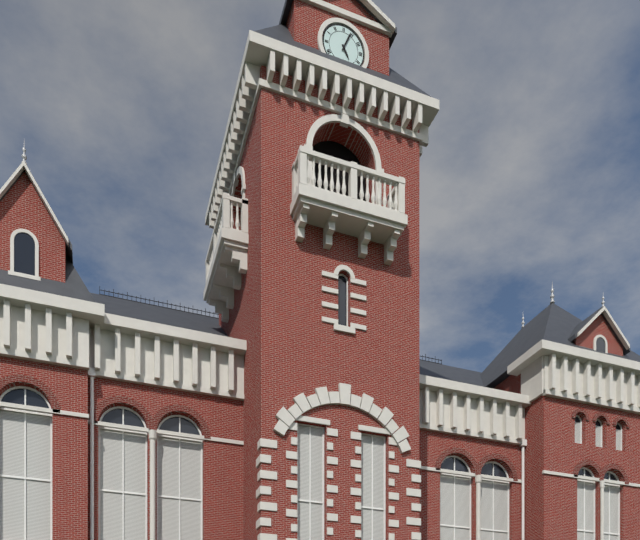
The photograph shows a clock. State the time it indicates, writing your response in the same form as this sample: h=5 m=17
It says h=5 m=4
